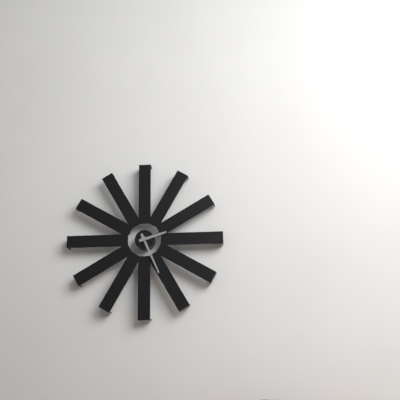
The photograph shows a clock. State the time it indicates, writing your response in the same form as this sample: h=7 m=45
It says h=2 m=26
